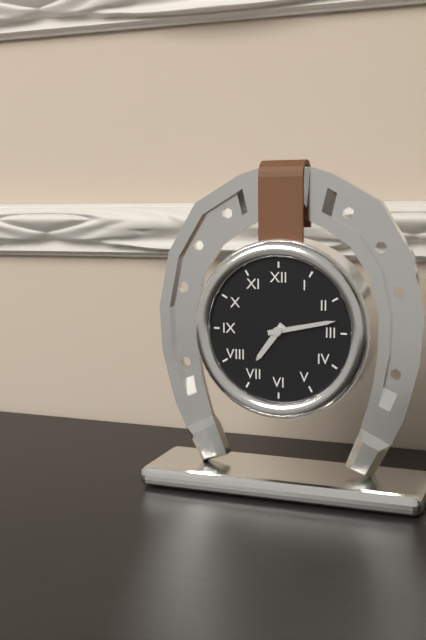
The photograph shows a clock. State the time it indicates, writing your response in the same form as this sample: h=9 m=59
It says h=7 m=13
